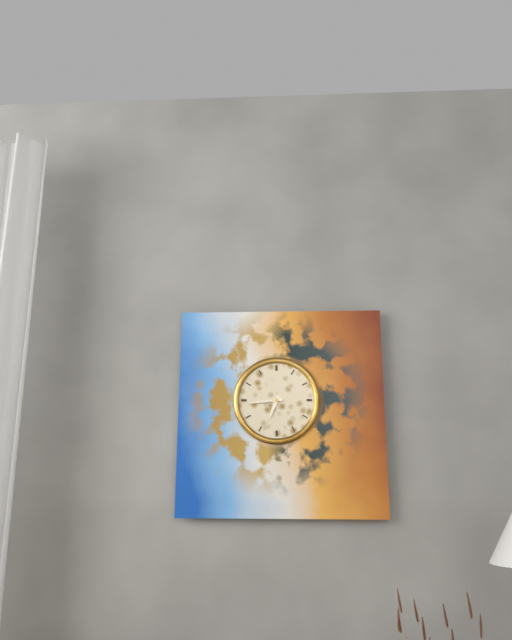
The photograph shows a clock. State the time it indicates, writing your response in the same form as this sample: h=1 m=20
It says h=6 m=44
